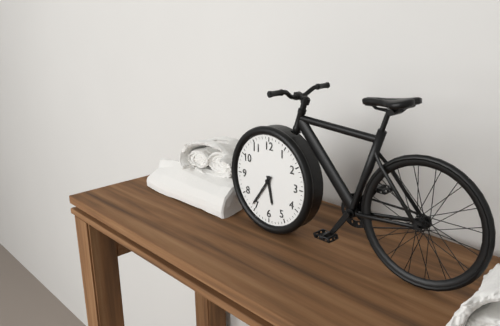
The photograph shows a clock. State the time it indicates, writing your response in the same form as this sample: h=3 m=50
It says h=5 m=36
